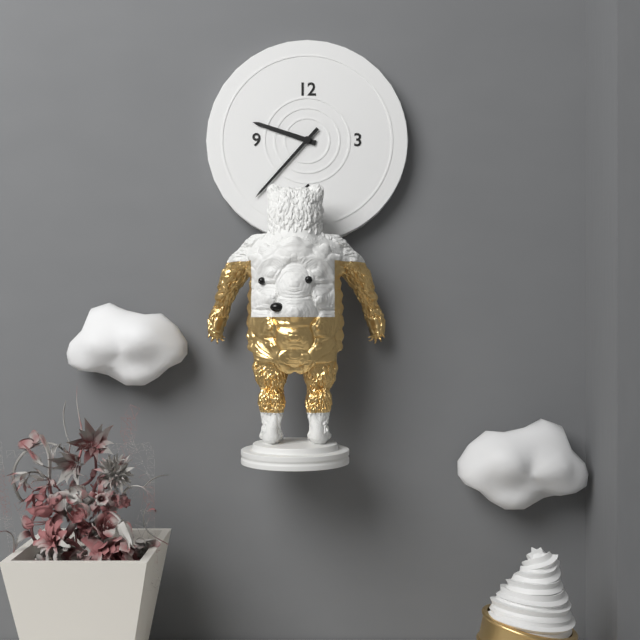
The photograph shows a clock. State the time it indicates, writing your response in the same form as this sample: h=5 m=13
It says h=9 m=37
